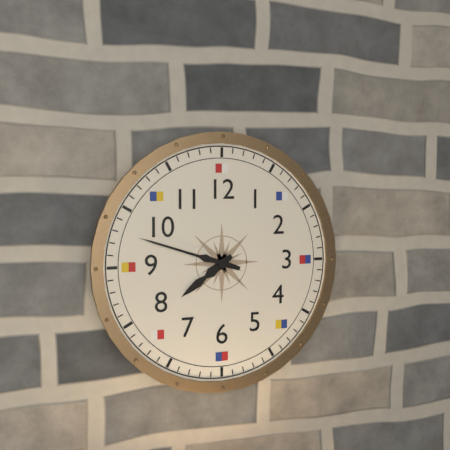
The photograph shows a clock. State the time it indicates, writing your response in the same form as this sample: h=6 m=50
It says h=7 m=48
